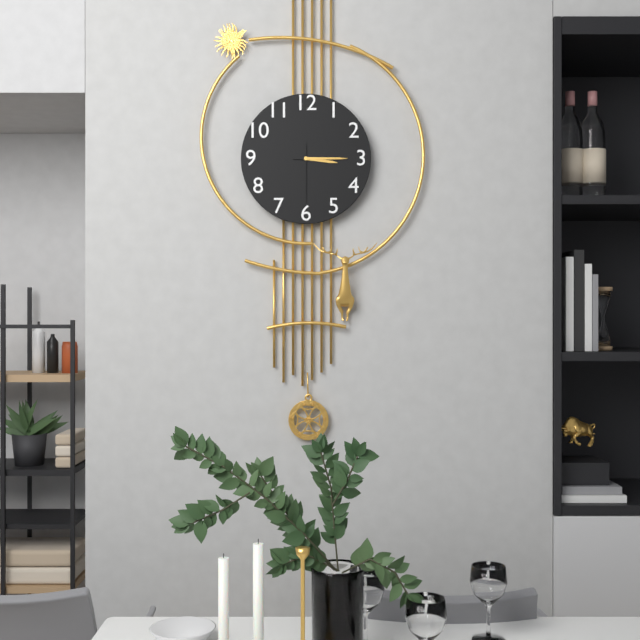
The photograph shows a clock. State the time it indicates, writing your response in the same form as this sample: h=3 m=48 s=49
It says h=3 m=15 s=30
